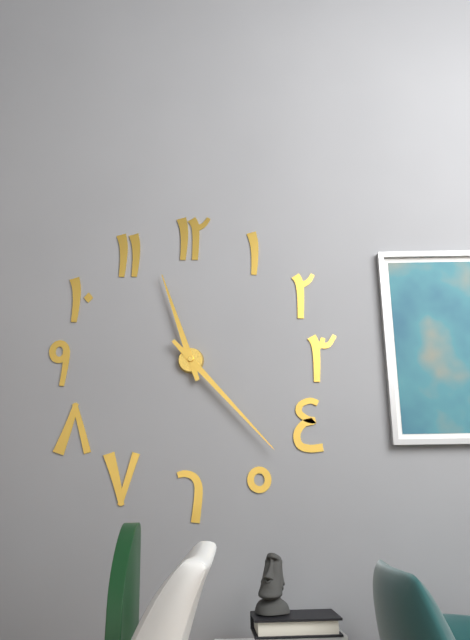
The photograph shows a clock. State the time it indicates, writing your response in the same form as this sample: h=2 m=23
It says h=11 m=23
